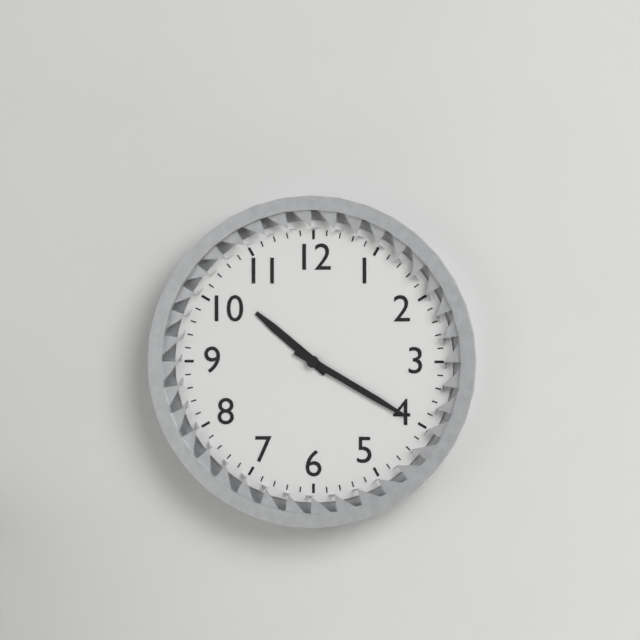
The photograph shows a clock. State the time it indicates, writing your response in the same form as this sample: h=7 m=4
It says h=10 m=20
